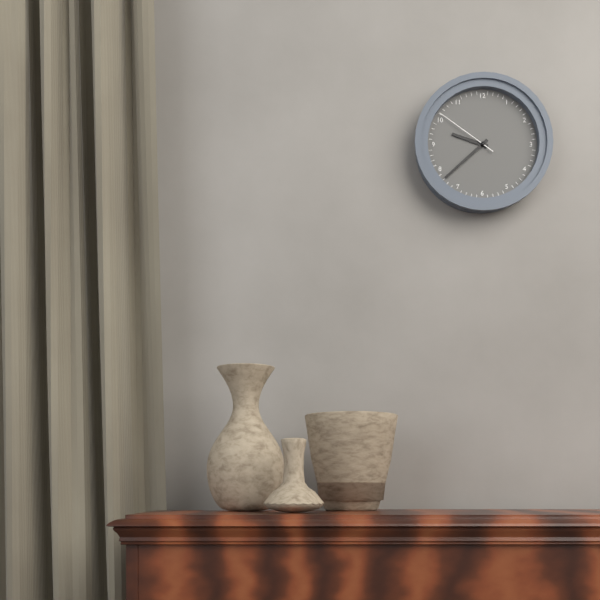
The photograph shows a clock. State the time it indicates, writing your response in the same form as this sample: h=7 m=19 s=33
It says h=9 m=38 s=51
